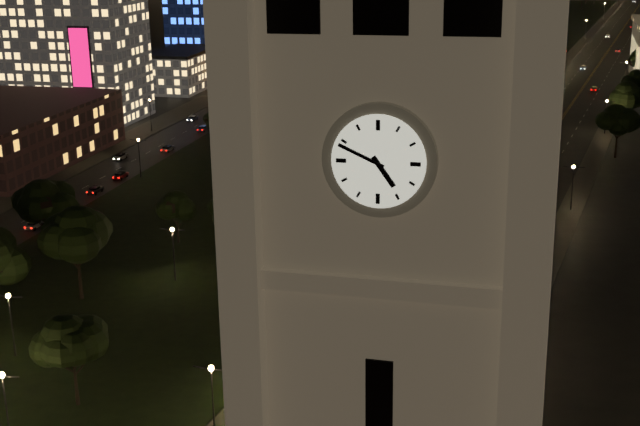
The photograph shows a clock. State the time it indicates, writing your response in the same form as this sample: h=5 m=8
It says h=4 m=49
